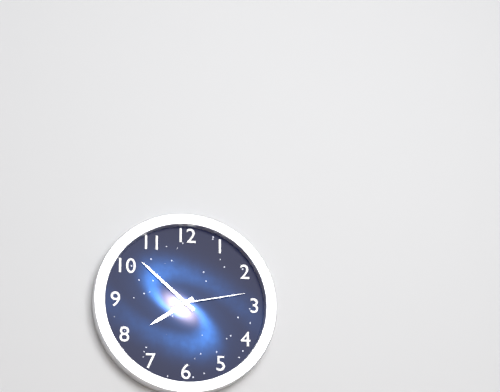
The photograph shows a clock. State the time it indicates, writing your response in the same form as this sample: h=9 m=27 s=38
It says h=7 m=52 s=13
